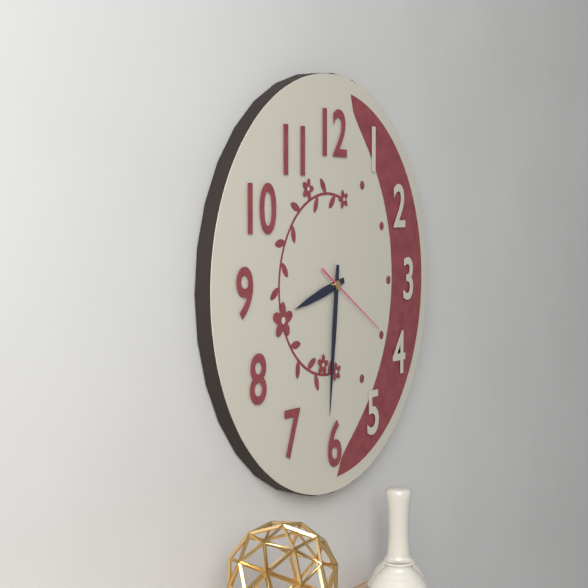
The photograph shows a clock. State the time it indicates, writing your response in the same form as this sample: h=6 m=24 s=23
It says h=8 m=31 s=20
